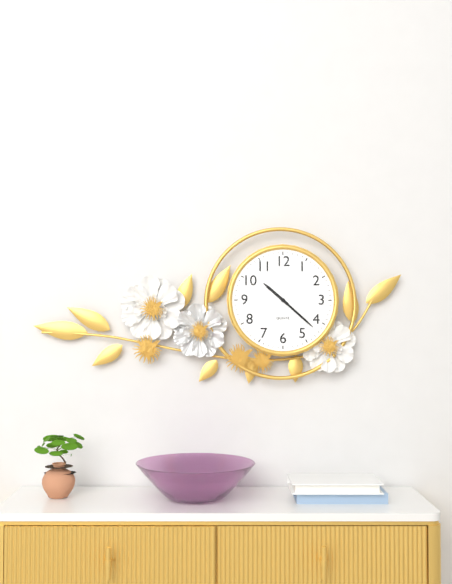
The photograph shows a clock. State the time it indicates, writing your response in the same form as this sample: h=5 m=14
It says h=10 m=22
